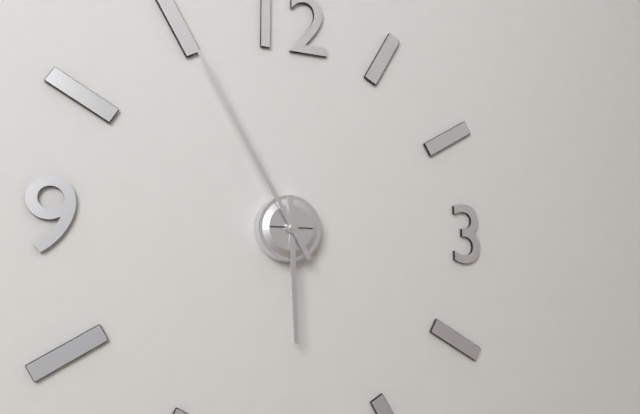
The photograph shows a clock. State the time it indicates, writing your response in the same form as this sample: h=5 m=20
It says h=5 m=55
